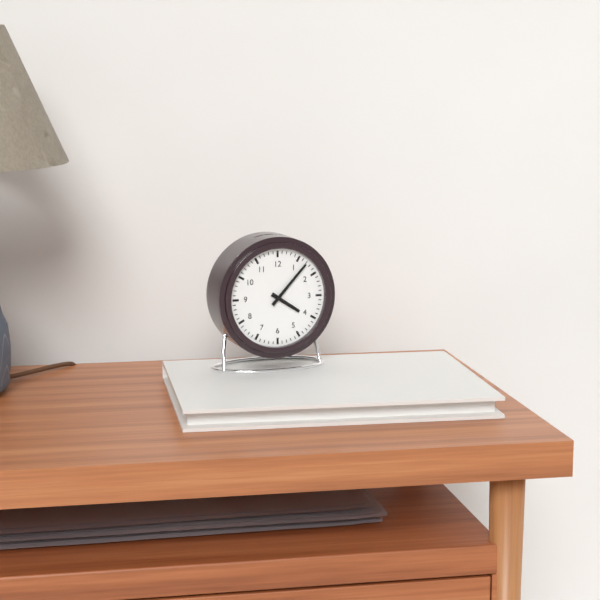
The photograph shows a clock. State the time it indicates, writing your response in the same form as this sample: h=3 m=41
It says h=4 m=7
